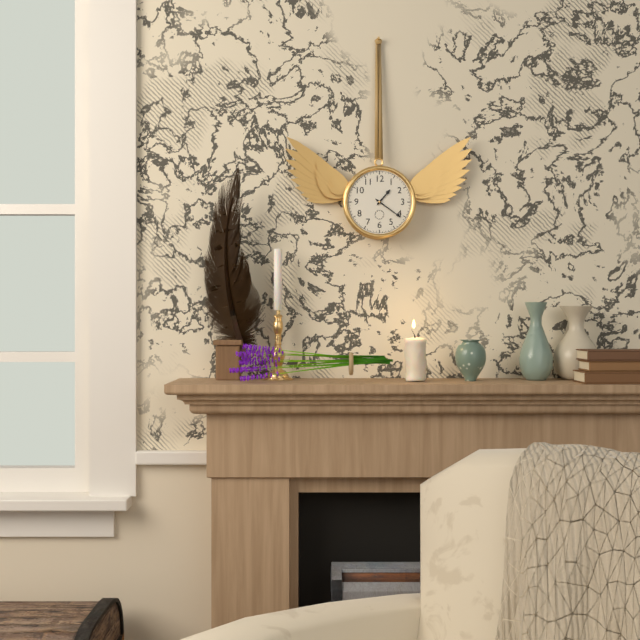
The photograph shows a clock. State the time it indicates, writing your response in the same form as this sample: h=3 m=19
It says h=1 m=21
